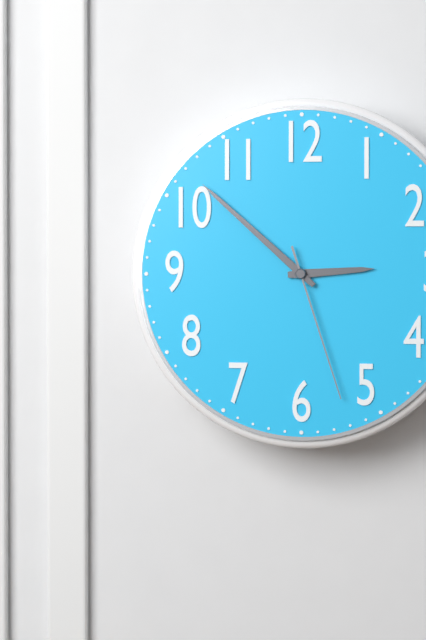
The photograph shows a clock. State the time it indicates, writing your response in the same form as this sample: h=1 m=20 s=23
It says h=2 m=52 s=27
